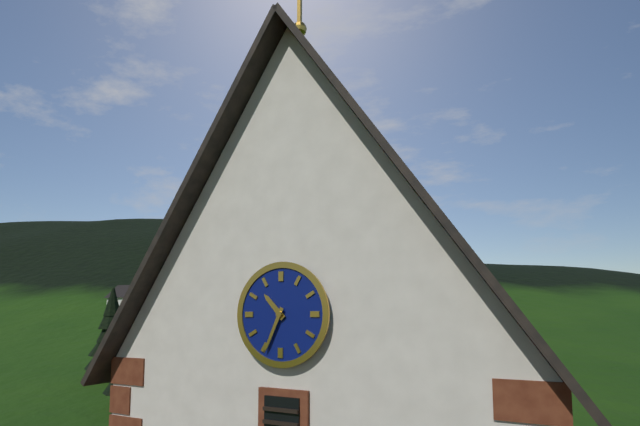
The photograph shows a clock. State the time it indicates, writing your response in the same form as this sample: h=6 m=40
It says h=10 m=34
